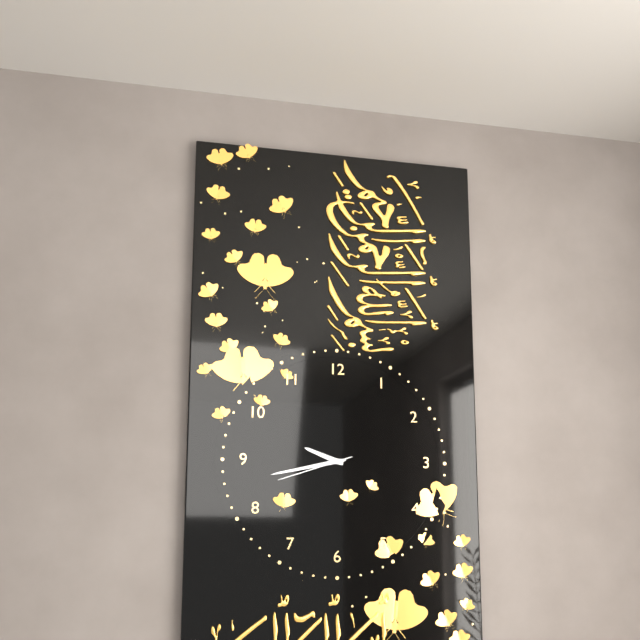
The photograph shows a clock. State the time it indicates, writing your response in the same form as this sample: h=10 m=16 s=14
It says h=9 m=43 s=42
